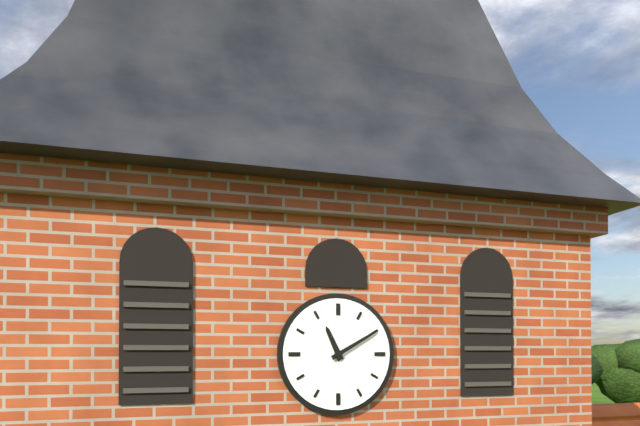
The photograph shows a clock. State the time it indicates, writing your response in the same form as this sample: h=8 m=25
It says h=11 m=10
